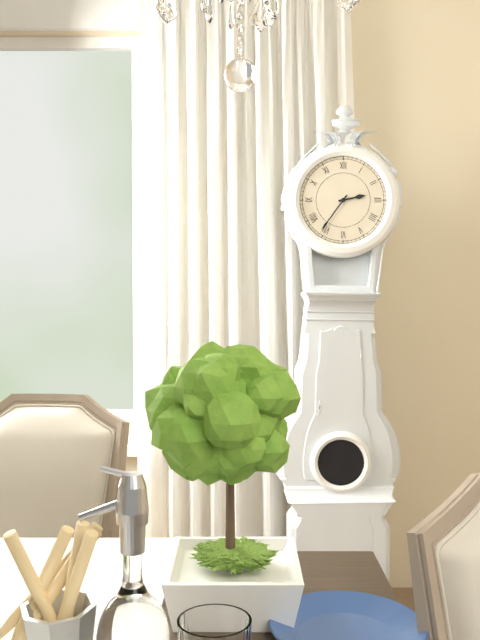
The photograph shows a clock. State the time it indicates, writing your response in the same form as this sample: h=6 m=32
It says h=2 m=36
